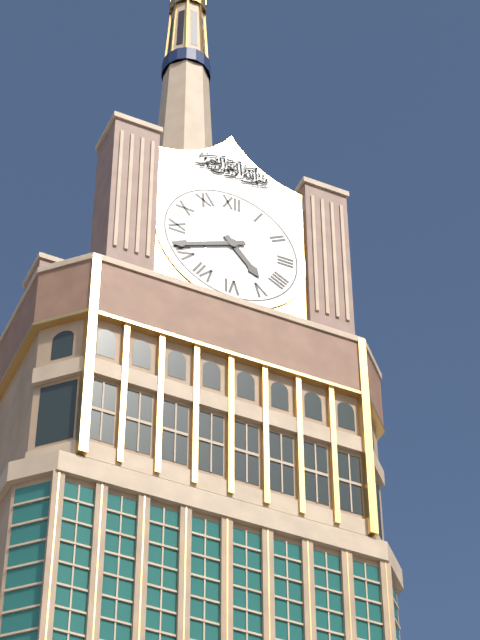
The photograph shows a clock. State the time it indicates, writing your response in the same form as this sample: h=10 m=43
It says h=4 m=41
